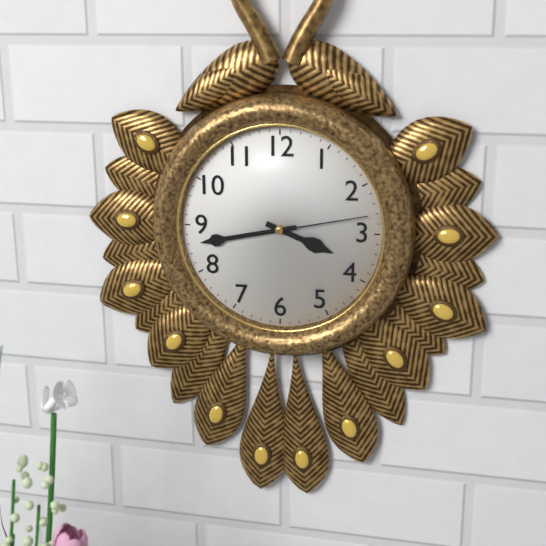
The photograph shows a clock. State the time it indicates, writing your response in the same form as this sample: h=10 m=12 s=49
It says h=3 m=43 s=13
